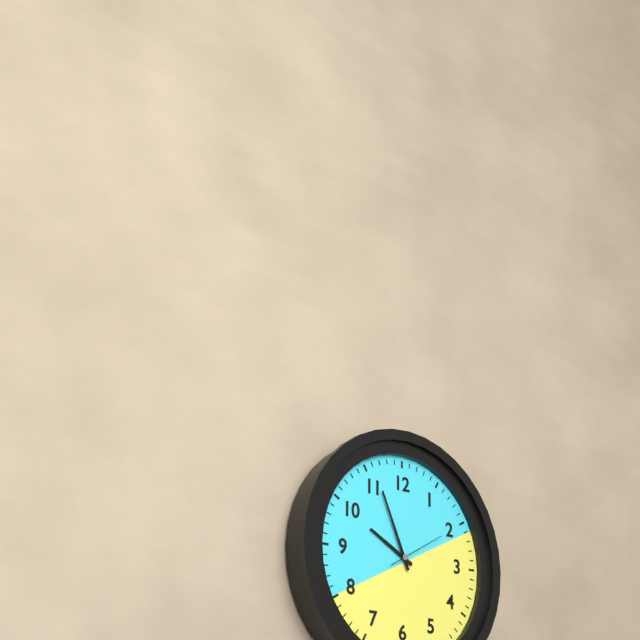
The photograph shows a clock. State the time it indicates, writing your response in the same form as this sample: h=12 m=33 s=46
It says h=9 m=56 s=10
